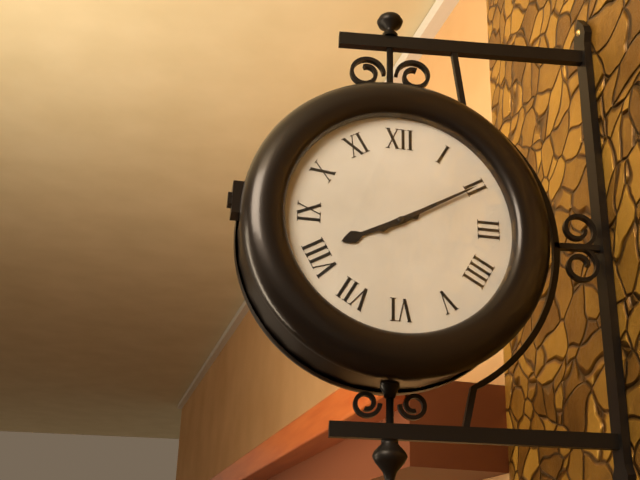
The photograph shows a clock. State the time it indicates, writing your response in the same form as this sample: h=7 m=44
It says h=8 m=10
